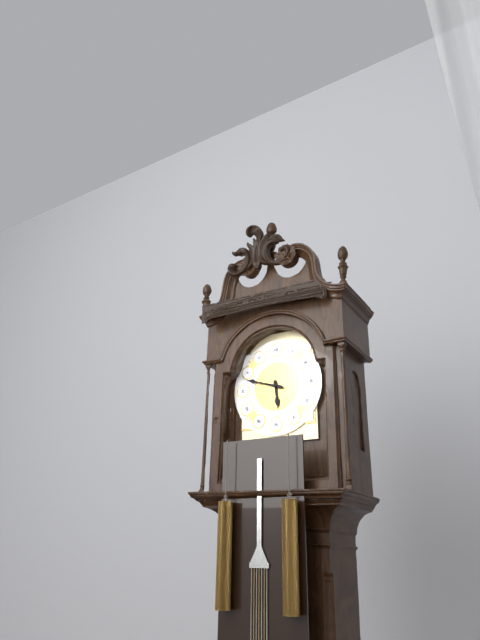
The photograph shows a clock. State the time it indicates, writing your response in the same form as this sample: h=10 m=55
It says h=5 m=48
